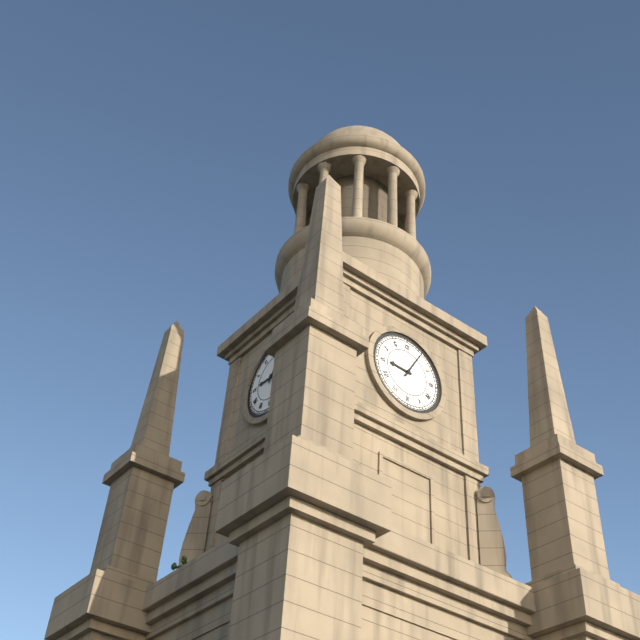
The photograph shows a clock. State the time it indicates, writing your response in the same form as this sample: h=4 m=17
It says h=9 m=5
